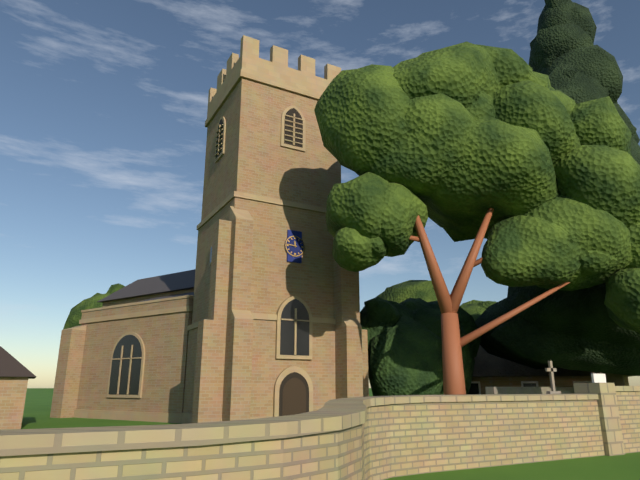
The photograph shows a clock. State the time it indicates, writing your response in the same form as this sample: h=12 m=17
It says h=11 m=46
